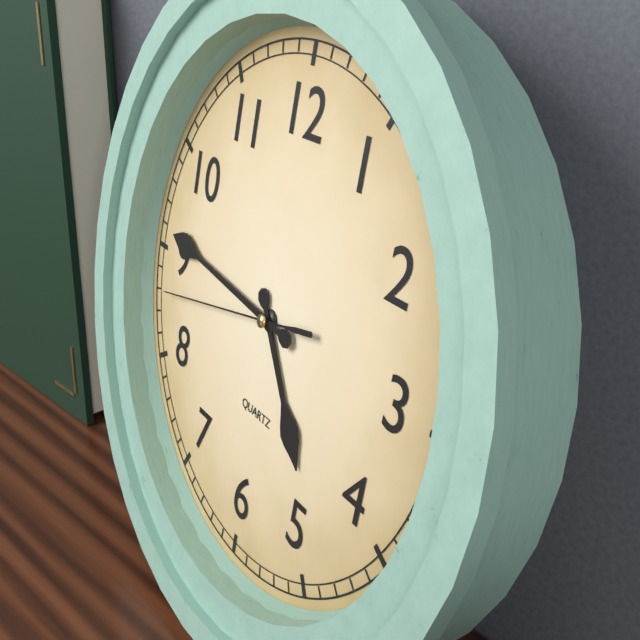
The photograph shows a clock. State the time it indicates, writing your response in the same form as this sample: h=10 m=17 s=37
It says h=4 m=46 s=43
